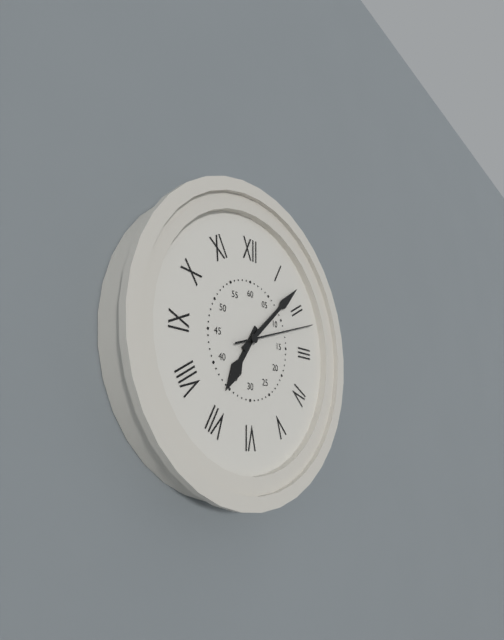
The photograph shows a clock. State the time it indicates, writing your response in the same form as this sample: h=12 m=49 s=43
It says h=7 m=8 s=12
